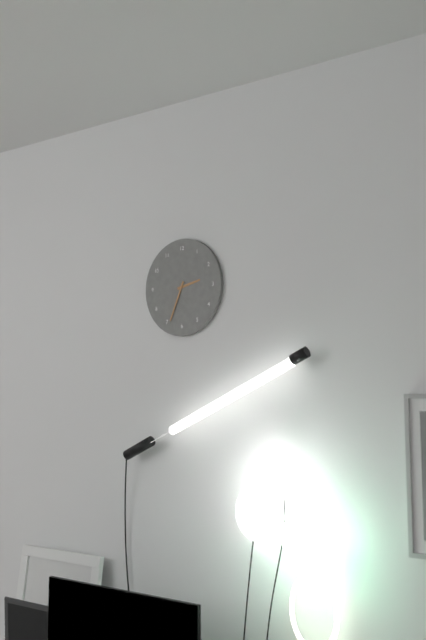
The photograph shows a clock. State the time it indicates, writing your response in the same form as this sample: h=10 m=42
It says h=2 m=34
